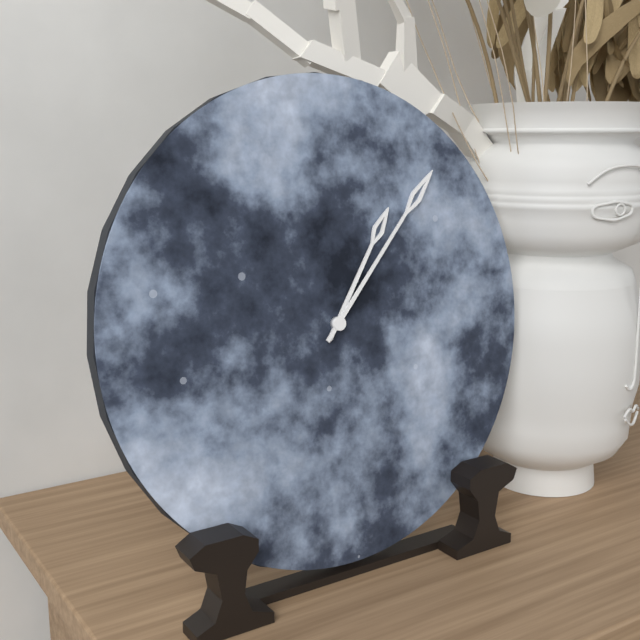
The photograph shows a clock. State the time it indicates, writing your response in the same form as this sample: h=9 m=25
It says h=1 m=7
